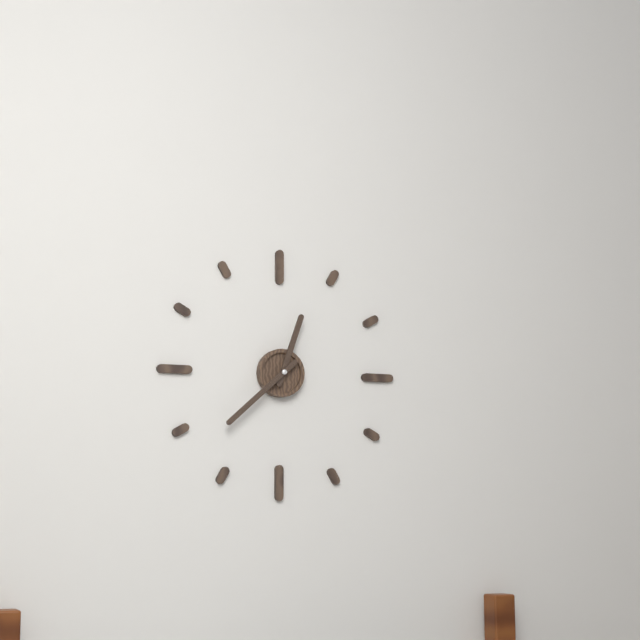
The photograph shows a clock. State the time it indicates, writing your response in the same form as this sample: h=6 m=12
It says h=12 m=38
